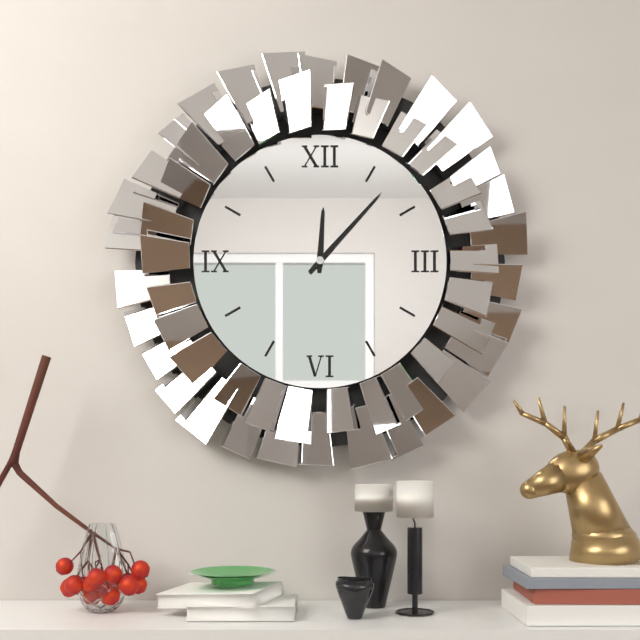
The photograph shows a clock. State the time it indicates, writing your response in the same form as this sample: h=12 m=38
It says h=12 m=7
